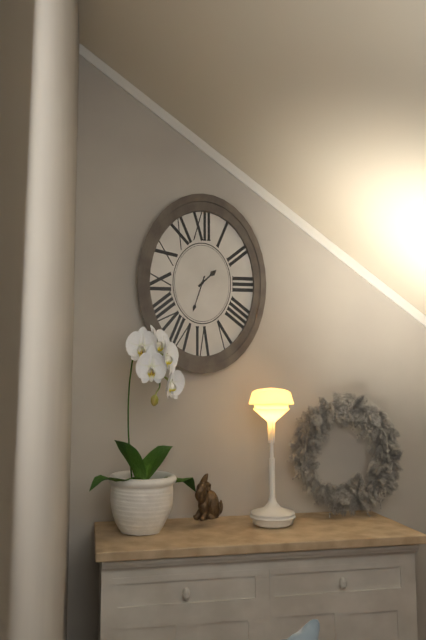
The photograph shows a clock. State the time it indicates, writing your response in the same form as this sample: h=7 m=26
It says h=1 m=33
